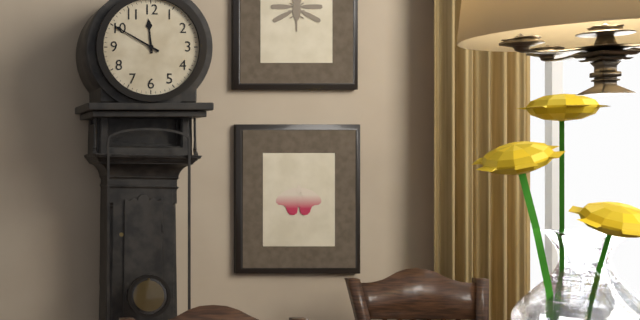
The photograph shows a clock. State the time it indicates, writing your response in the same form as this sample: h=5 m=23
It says h=11 m=50
